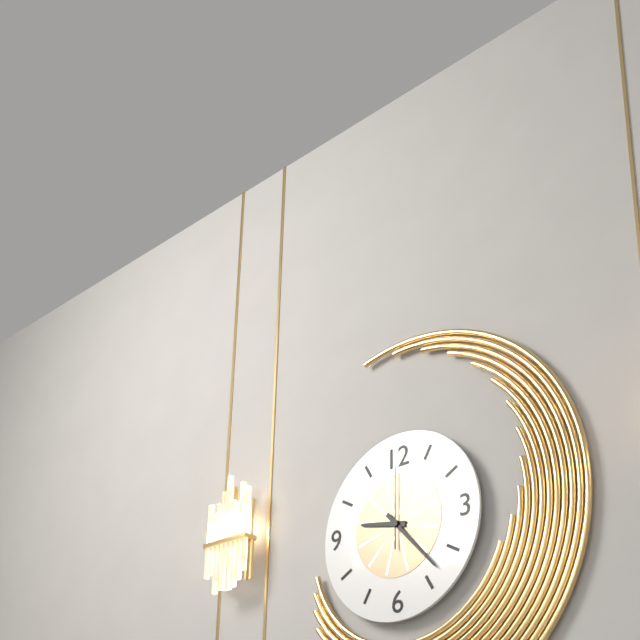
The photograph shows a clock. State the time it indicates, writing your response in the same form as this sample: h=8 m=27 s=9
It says h=9 m=23 s=0
